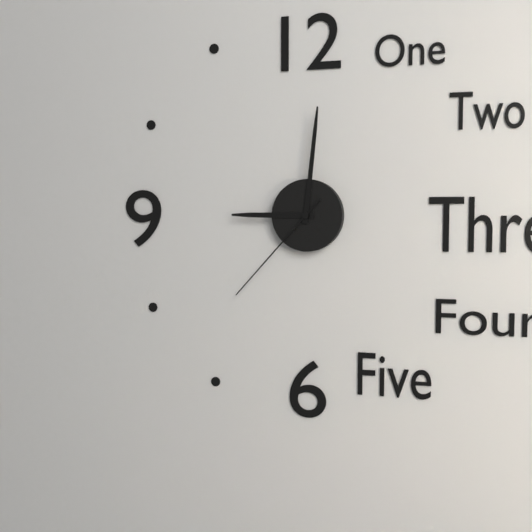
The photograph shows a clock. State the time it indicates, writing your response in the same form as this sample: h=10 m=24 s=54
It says h=9 m=1 s=37
